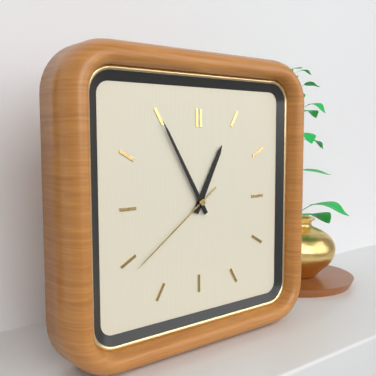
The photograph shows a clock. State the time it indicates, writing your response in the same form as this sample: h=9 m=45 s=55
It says h=12 m=55 s=39
